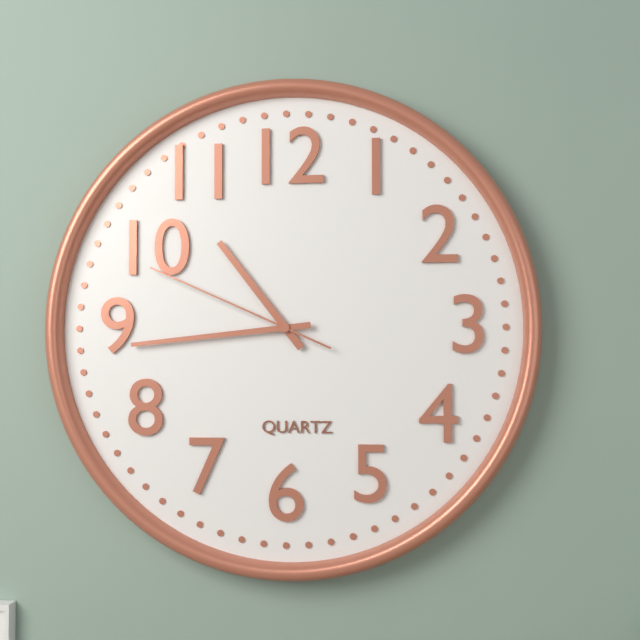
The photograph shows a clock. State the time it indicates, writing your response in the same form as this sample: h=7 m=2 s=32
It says h=10 m=44 s=49
